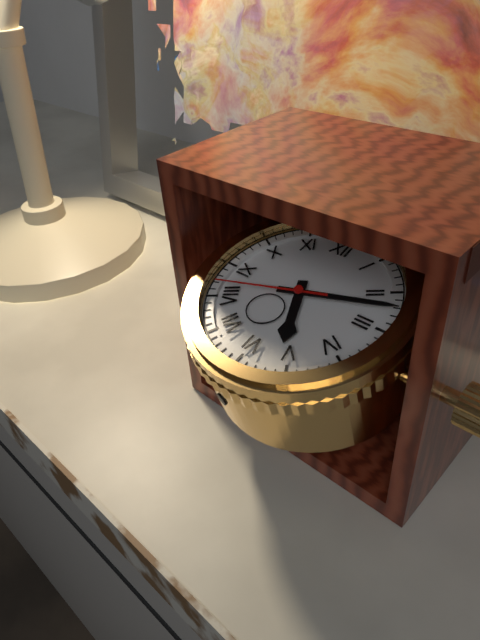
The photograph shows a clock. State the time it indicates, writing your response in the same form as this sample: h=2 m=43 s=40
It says h=5 m=12 s=42
